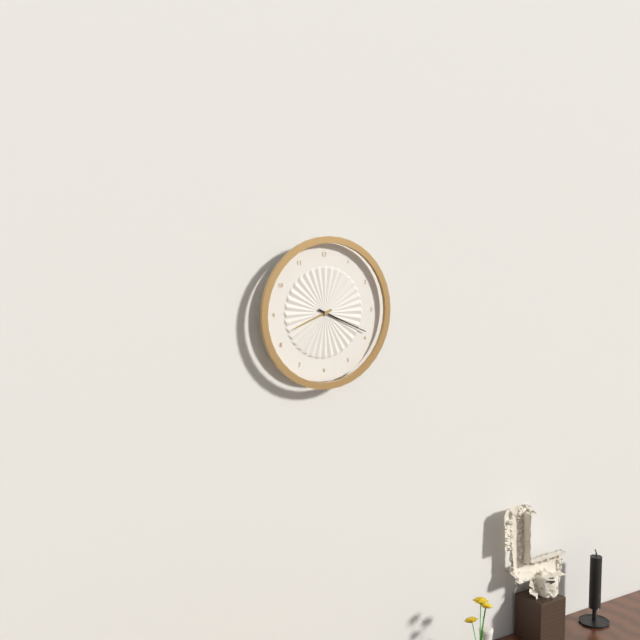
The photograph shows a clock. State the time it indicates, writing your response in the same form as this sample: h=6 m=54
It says h=8 m=19
